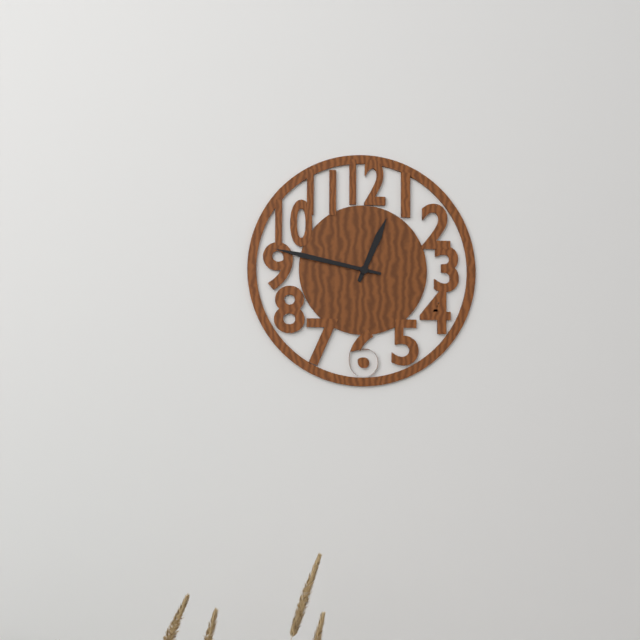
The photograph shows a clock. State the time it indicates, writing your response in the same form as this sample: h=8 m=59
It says h=12 m=47
